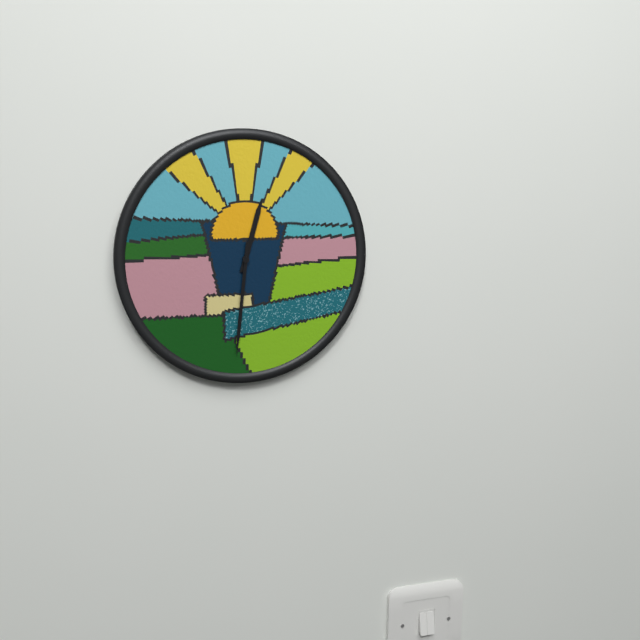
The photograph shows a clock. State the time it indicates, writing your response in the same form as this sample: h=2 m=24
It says h=12 m=31
